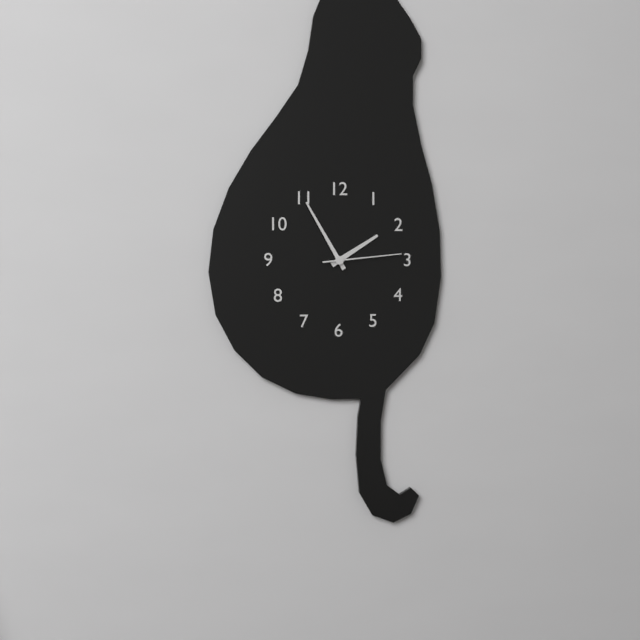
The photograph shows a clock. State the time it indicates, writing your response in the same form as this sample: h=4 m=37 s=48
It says h=1 m=55 s=14
